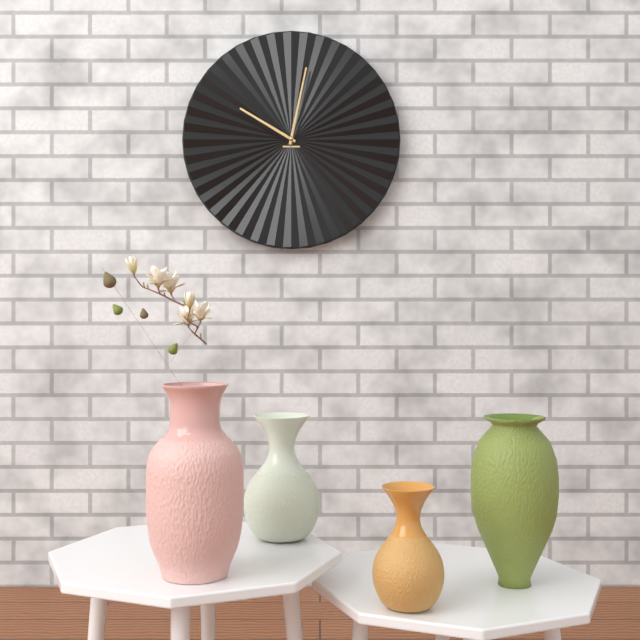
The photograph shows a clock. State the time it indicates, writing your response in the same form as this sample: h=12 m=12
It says h=10 m=2
